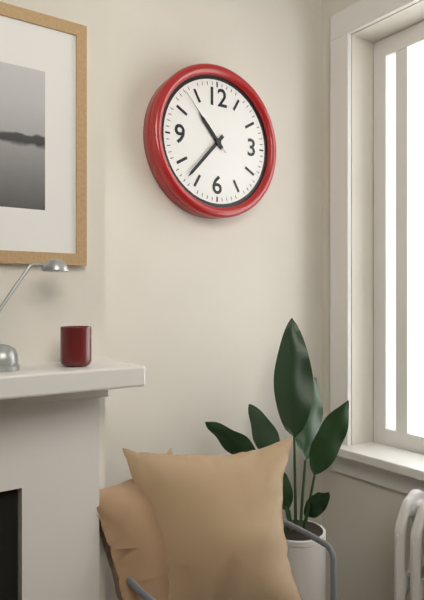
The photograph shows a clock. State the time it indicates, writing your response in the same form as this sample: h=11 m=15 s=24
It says h=10 m=37 s=53
